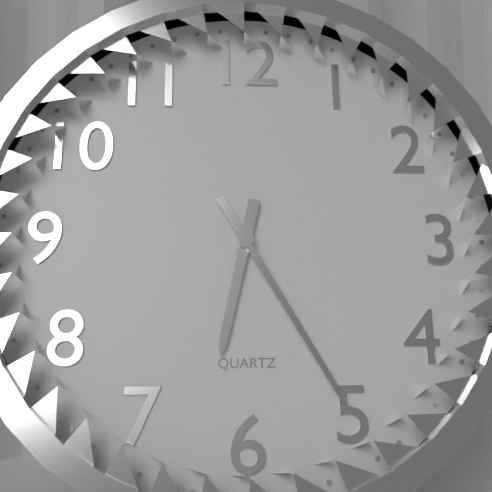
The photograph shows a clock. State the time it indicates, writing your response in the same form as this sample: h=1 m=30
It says h=6 m=25
